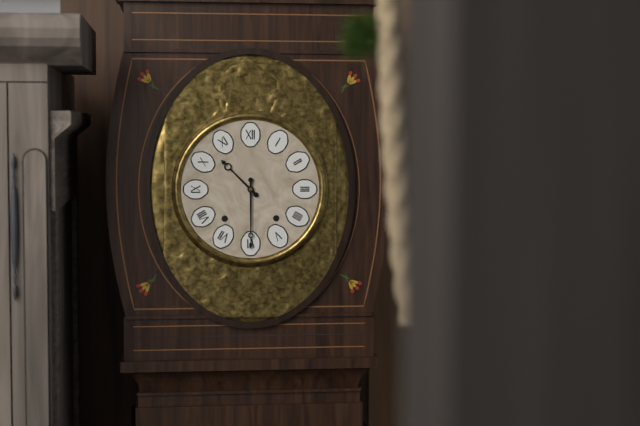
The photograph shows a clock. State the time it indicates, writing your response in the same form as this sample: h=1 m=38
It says h=10 m=30
